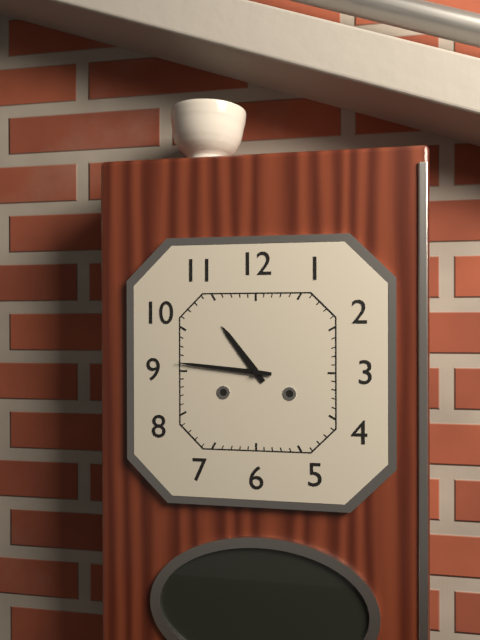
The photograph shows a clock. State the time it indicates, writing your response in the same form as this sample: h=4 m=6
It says h=10 m=46
